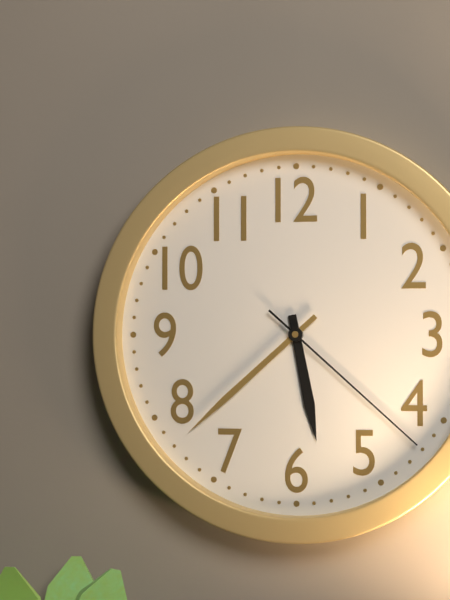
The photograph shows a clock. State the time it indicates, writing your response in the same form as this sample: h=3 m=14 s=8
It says h=5 m=38 s=22
